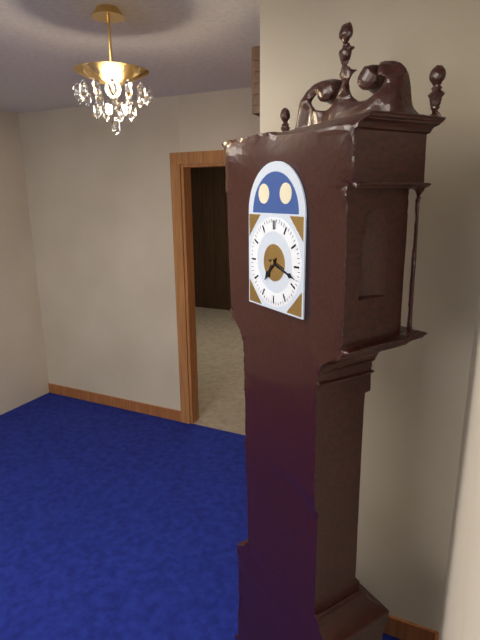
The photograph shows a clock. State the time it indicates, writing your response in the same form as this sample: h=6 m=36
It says h=7 m=18
